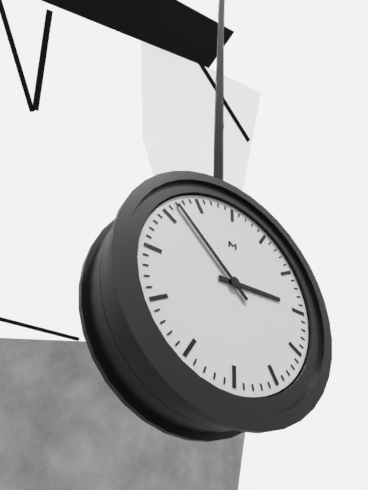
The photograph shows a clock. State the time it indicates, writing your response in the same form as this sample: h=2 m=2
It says h=2 m=52
